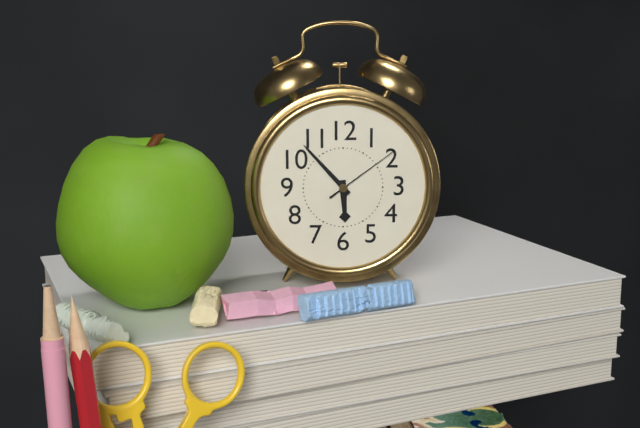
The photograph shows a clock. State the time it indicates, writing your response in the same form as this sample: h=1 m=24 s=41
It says h=5 m=53 s=9
